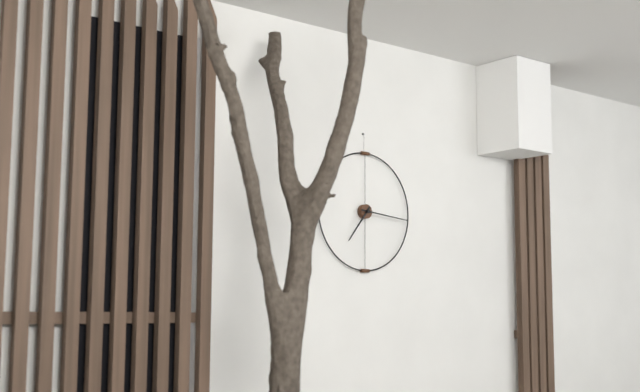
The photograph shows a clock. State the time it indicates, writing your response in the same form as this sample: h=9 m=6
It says h=7 m=16
